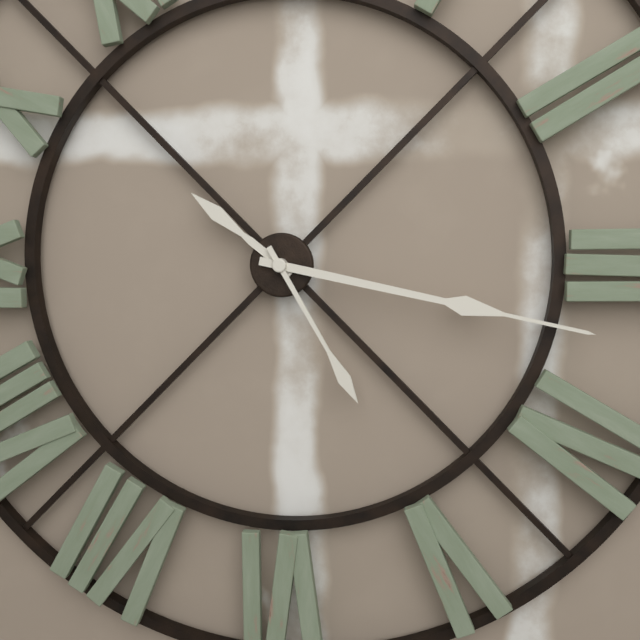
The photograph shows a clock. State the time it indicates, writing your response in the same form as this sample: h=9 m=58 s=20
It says h=10 m=17 s=25
